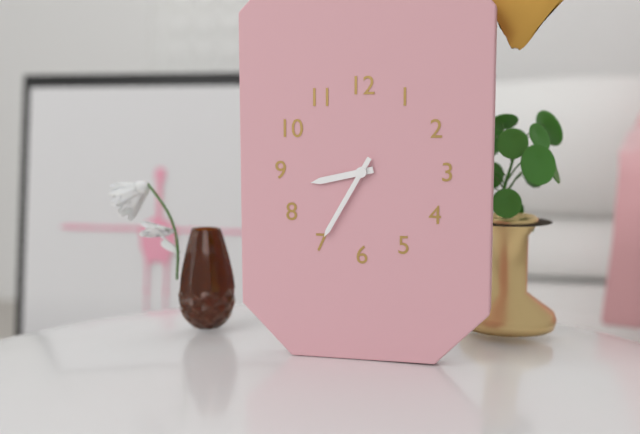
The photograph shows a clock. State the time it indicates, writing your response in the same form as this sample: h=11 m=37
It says h=8 m=35
